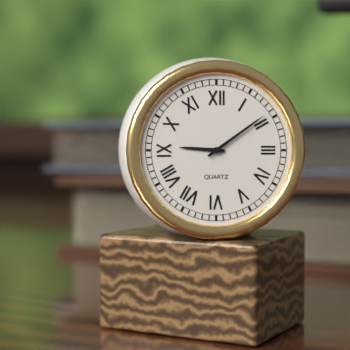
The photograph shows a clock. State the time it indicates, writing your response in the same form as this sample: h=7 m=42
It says h=9 m=9
